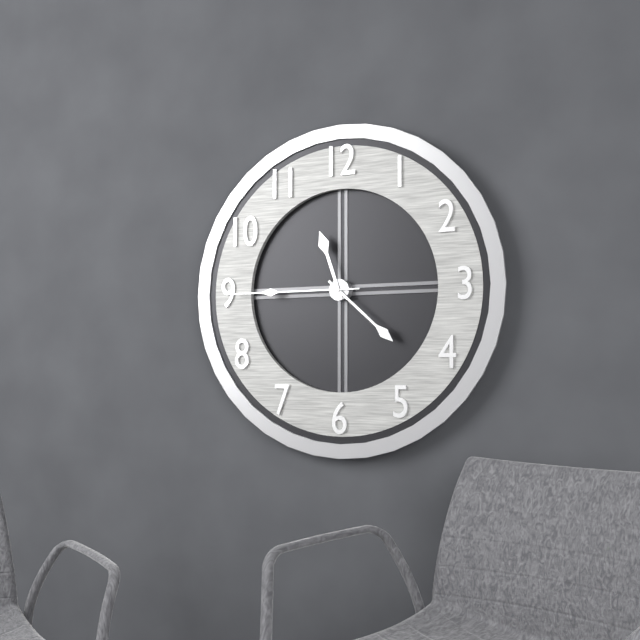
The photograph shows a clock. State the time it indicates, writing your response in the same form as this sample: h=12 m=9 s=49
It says h=11 m=22 s=45
